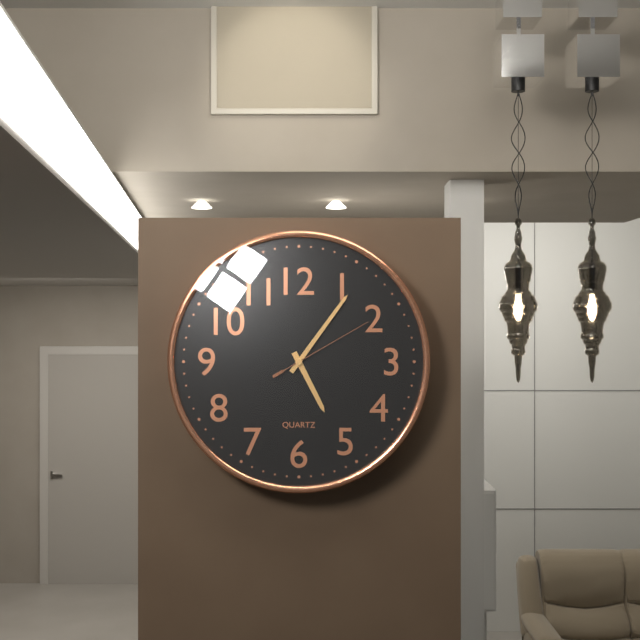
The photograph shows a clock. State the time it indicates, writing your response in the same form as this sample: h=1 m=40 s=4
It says h=5 m=6 s=10
